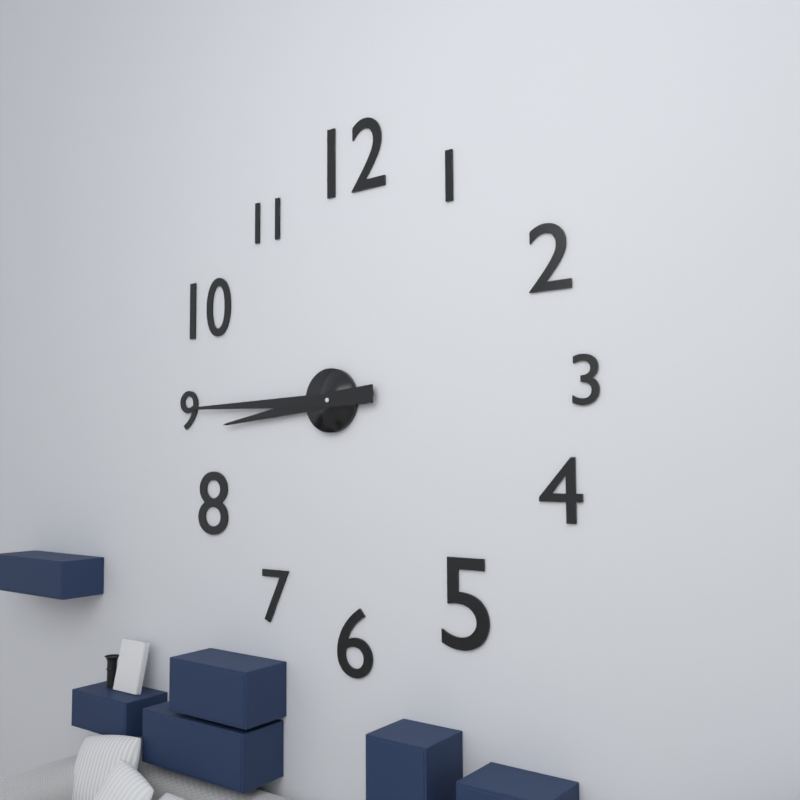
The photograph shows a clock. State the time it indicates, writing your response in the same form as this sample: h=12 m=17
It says h=8 m=45
